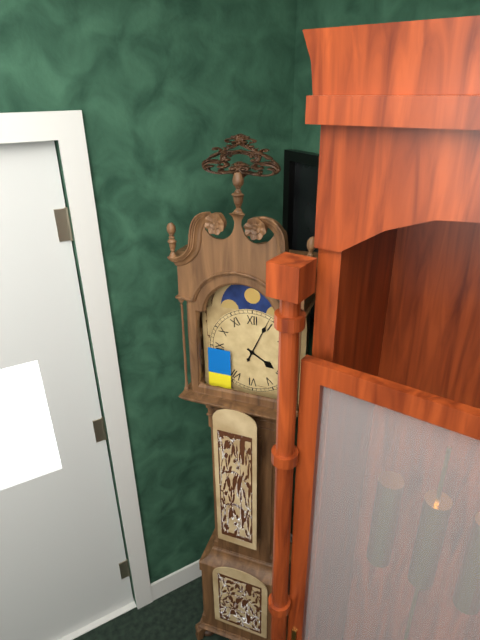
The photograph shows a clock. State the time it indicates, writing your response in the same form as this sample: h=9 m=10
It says h=4 m=4
